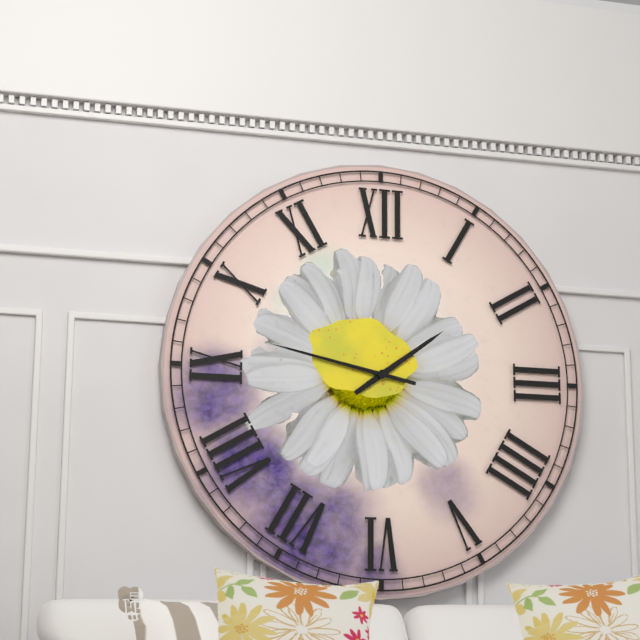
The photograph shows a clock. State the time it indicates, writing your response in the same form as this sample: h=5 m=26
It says h=1 m=47
